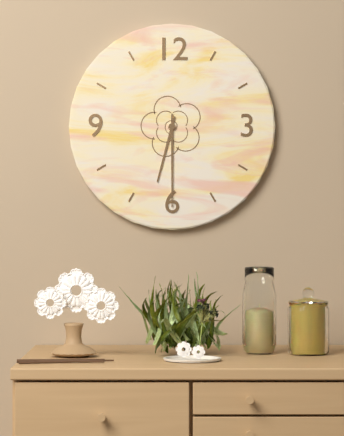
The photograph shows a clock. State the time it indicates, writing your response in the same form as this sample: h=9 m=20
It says h=6 m=30
